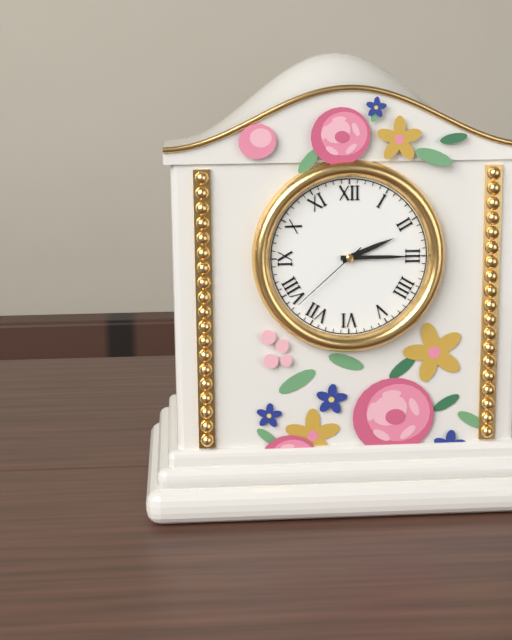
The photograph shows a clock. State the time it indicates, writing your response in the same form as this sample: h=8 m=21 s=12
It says h=2 m=15 s=38
